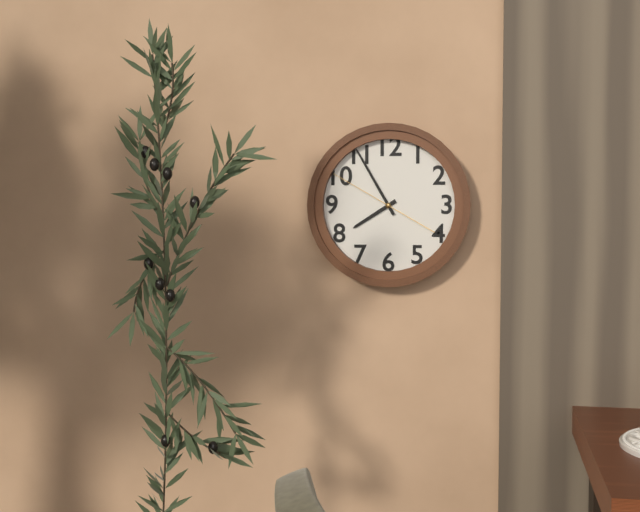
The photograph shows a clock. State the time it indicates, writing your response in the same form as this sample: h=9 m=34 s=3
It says h=7 m=55 s=50
